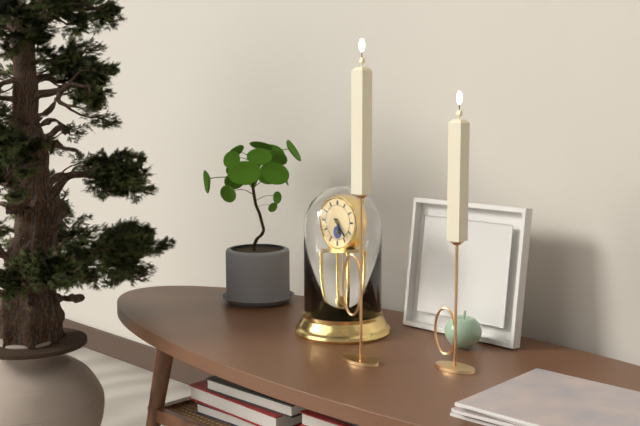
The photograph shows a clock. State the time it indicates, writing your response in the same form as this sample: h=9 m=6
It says h=5 m=23
